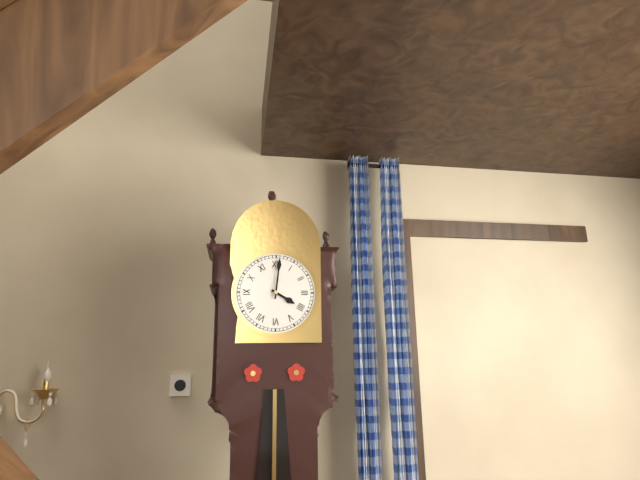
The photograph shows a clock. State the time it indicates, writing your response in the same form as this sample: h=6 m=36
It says h=4 m=1
